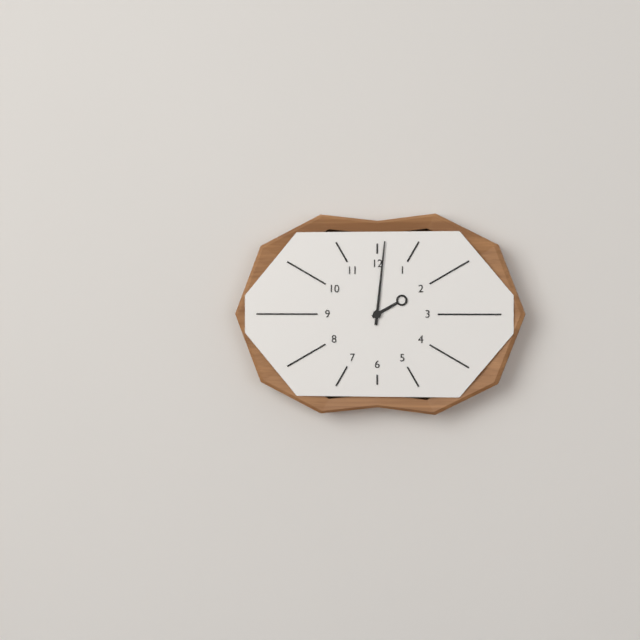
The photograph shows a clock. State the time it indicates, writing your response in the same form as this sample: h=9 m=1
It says h=2 m=1
